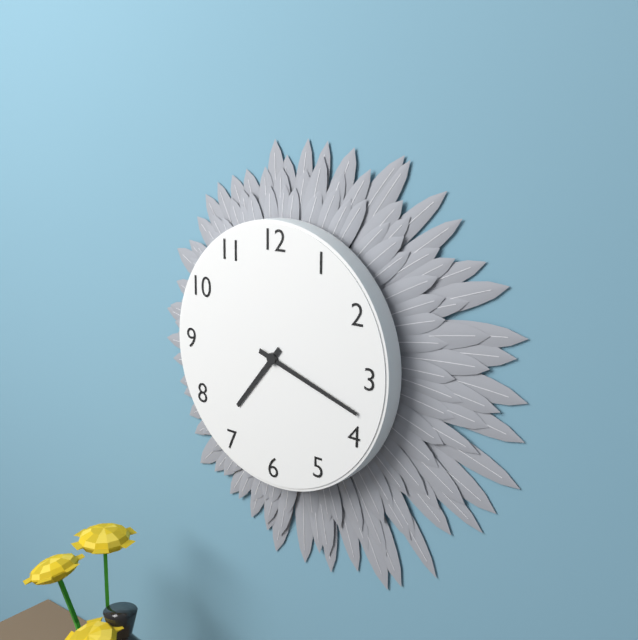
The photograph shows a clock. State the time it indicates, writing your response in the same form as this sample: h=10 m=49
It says h=7 m=18
